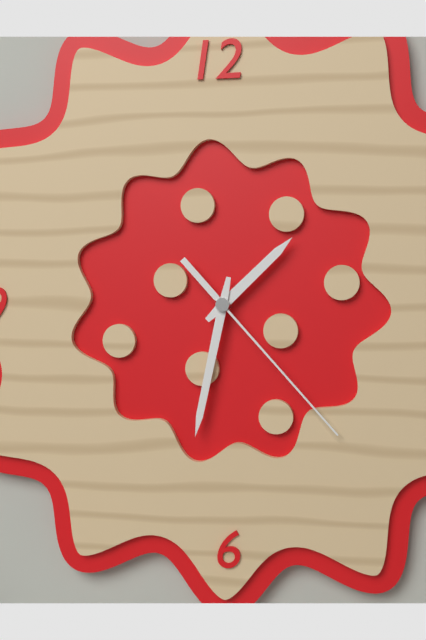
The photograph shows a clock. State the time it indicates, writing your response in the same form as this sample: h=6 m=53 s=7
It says h=1 m=32 s=23
